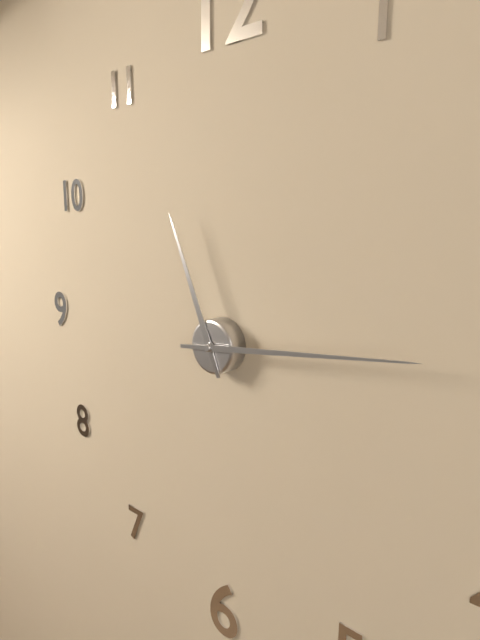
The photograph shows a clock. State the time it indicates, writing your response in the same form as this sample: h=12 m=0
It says h=11 m=14
